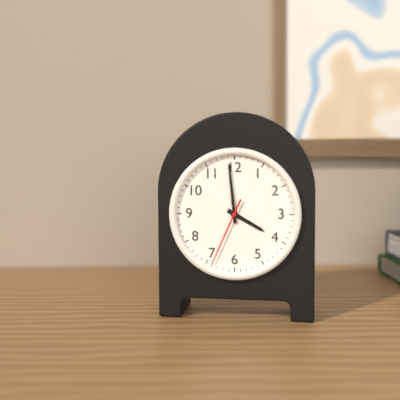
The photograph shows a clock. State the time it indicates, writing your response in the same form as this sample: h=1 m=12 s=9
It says h=3 m=59 s=34
